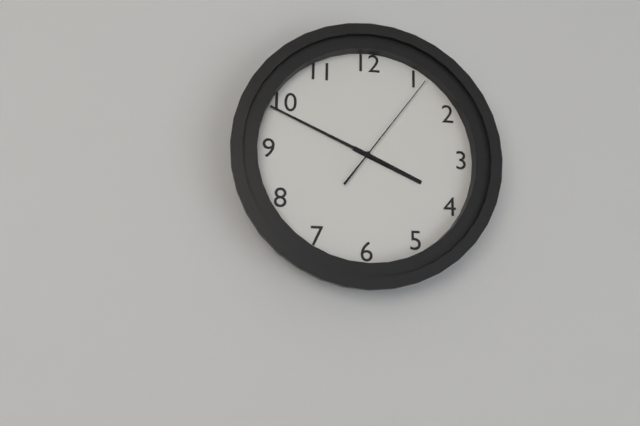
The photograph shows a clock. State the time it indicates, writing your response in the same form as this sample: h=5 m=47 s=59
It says h=3 m=49 s=6
